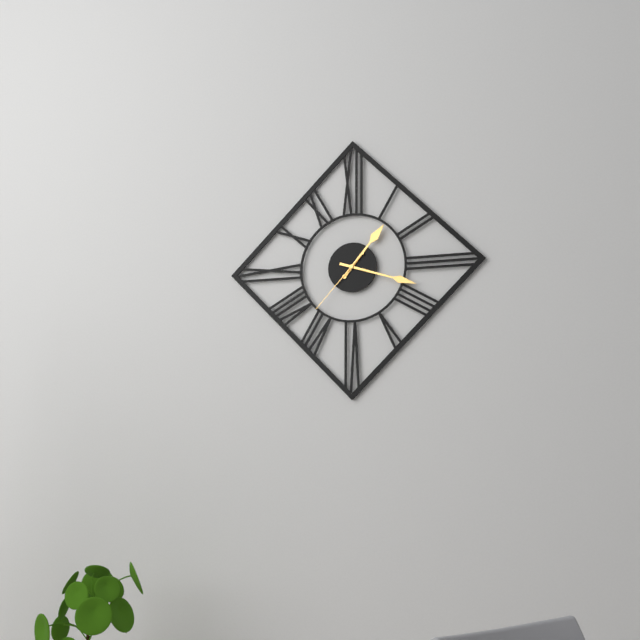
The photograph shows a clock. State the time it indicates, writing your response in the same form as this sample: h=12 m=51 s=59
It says h=1 m=18 s=37
